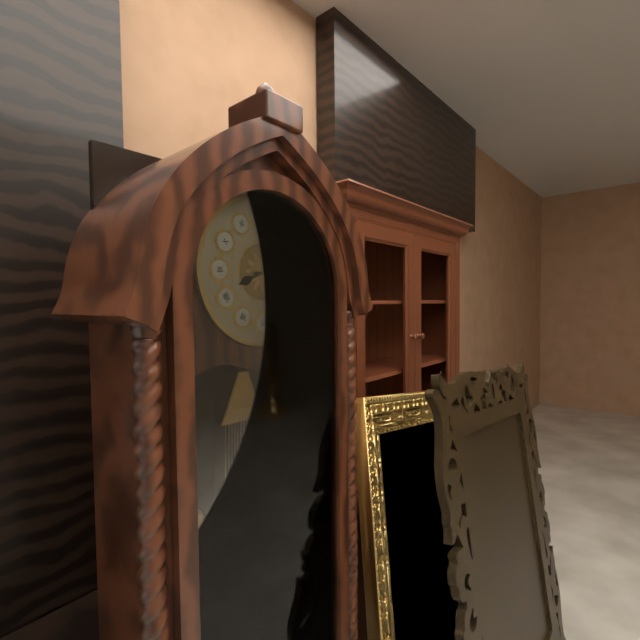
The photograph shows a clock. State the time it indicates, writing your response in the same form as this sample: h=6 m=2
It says h=8 m=13
